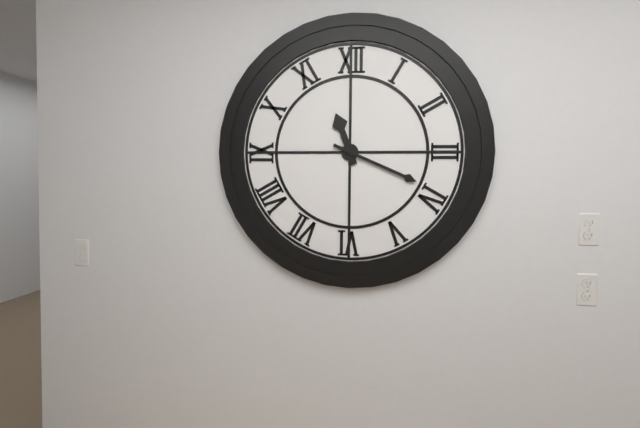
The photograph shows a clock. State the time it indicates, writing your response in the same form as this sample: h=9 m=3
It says h=11 m=19
